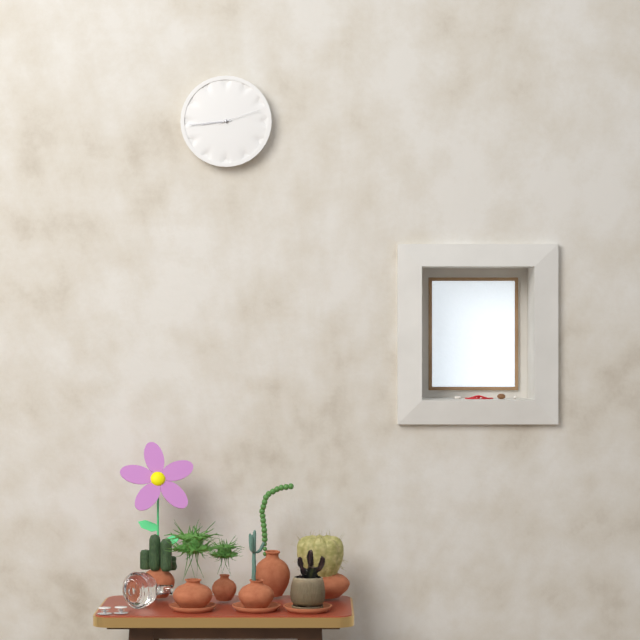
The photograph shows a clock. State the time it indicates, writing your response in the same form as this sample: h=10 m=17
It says h=8 m=44
